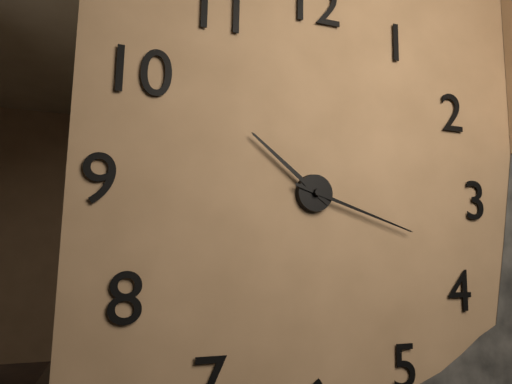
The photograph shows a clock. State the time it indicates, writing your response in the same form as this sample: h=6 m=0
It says h=10 m=18
